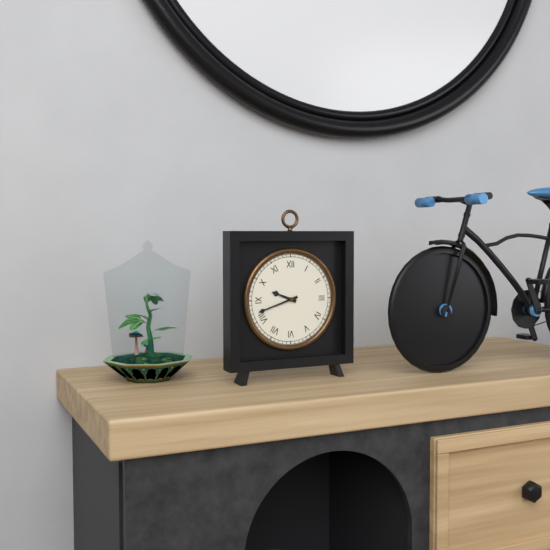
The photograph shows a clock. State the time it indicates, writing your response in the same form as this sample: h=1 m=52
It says h=9 m=42
